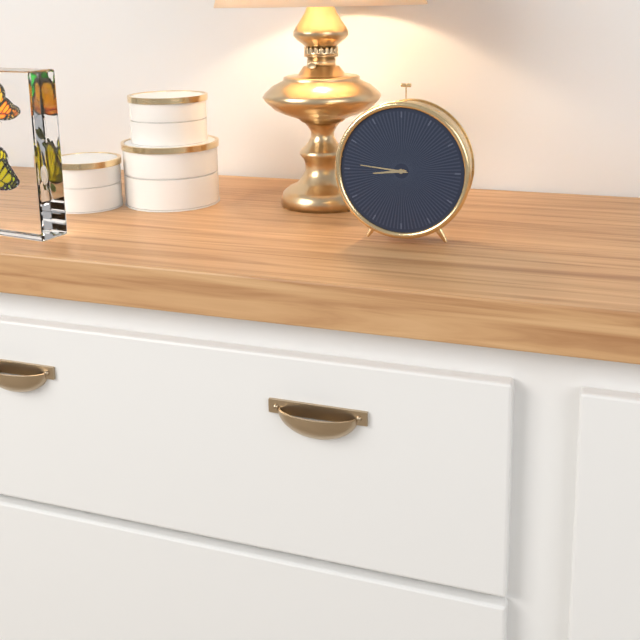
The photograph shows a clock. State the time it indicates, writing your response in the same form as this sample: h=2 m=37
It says h=8 m=46
